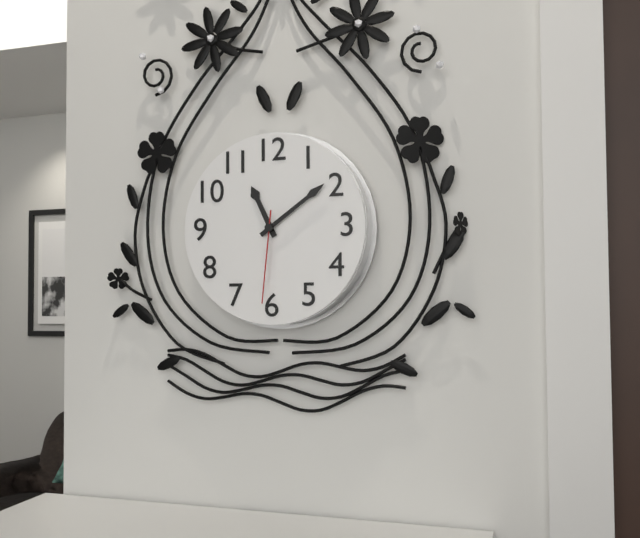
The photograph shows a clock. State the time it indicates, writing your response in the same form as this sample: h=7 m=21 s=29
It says h=11 m=9 s=31
